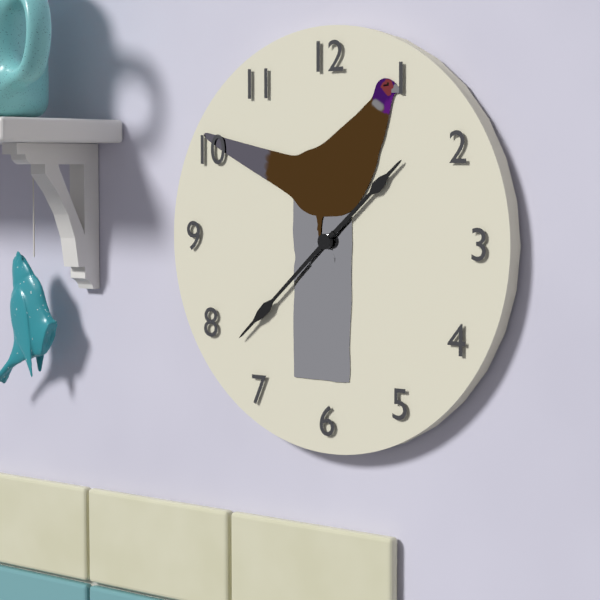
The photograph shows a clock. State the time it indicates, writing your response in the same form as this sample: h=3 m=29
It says h=1 m=38
